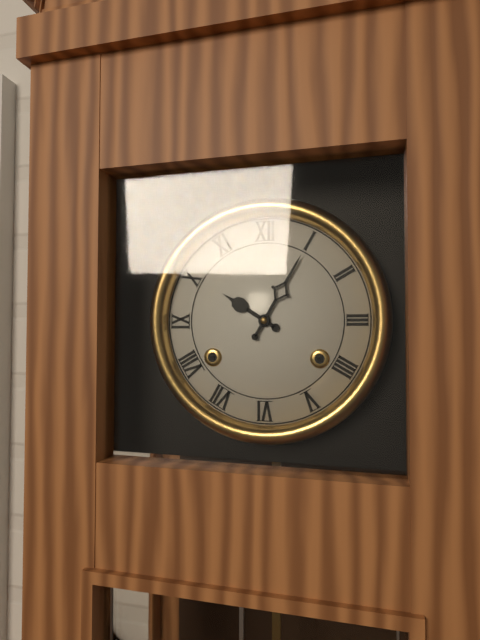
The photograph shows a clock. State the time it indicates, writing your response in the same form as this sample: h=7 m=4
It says h=10 m=5
